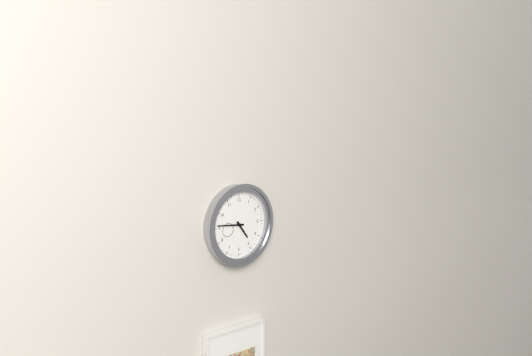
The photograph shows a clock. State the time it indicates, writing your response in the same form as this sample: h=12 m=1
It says h=4 m=46
